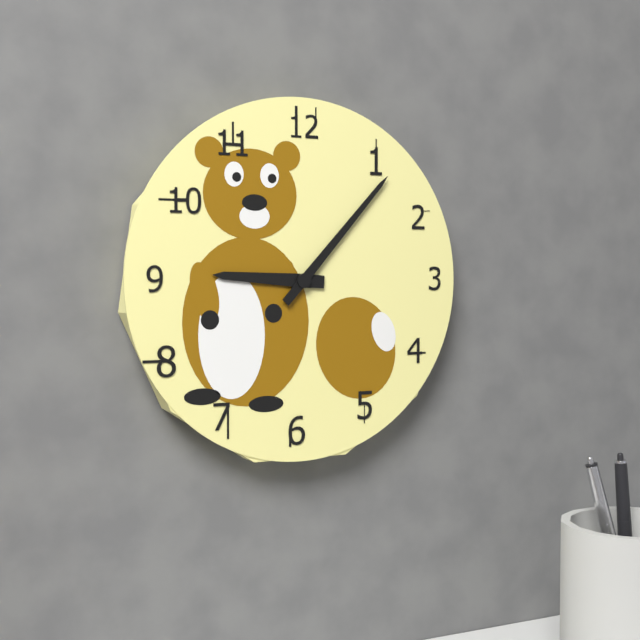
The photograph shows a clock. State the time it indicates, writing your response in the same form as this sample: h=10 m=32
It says h=9 m=7
